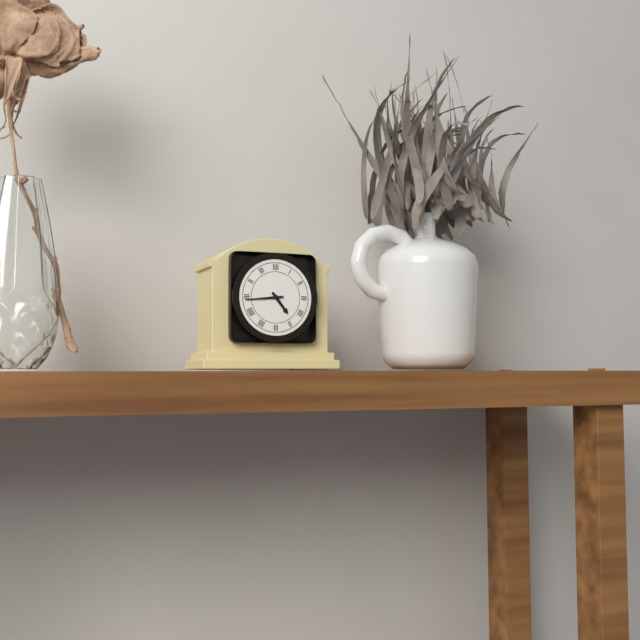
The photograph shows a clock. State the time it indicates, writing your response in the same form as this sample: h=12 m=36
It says h=4 m=44
